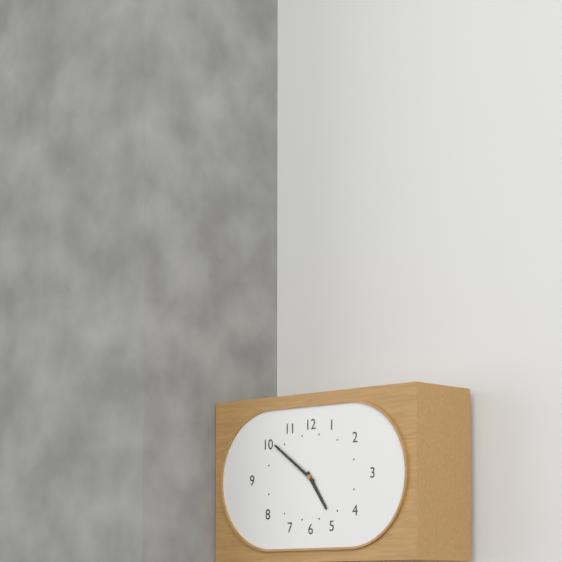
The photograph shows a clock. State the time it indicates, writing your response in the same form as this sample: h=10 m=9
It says h=4 m=51
